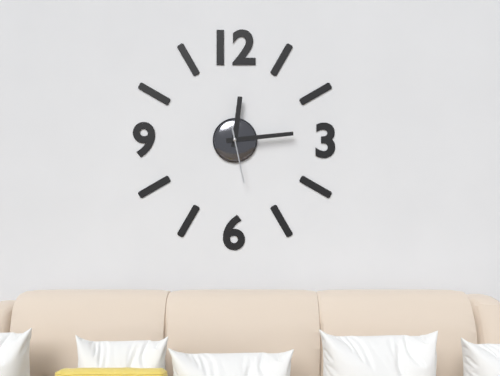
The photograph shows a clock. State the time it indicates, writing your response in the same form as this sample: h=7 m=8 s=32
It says h=12 m=14 s=28
